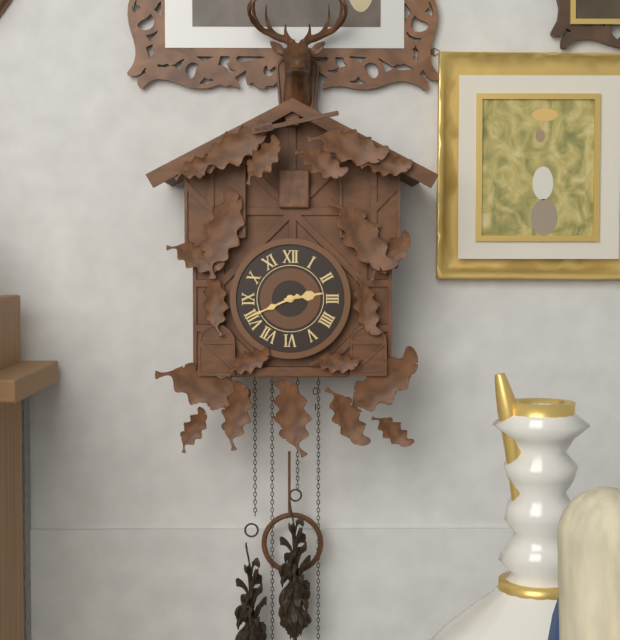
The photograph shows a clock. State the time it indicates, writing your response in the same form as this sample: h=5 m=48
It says h=2 m=41
